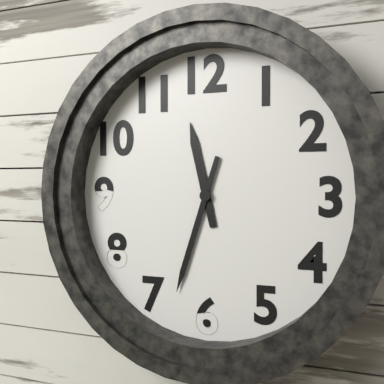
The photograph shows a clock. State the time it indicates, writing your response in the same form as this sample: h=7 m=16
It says h=11 m=33
